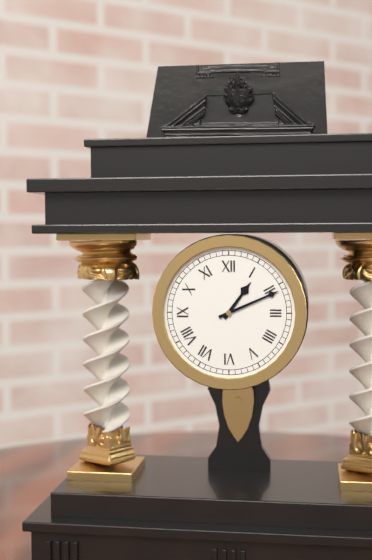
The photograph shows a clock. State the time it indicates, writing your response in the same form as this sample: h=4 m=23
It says h=1 m=11
